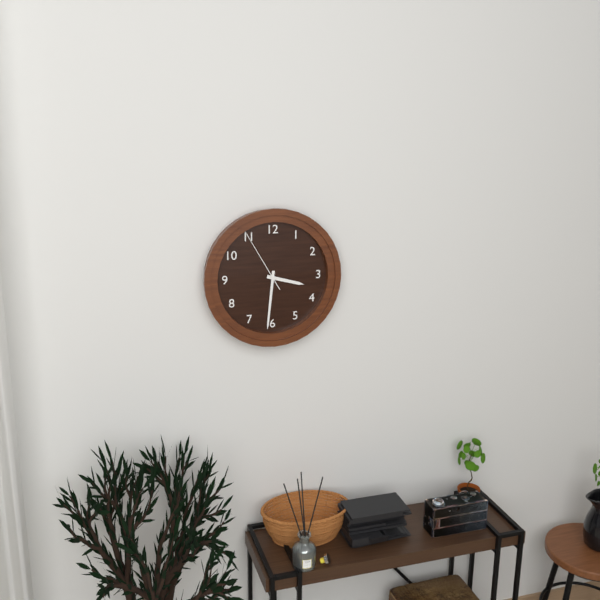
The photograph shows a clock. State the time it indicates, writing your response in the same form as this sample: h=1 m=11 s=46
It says h=3 m=31 s=55
